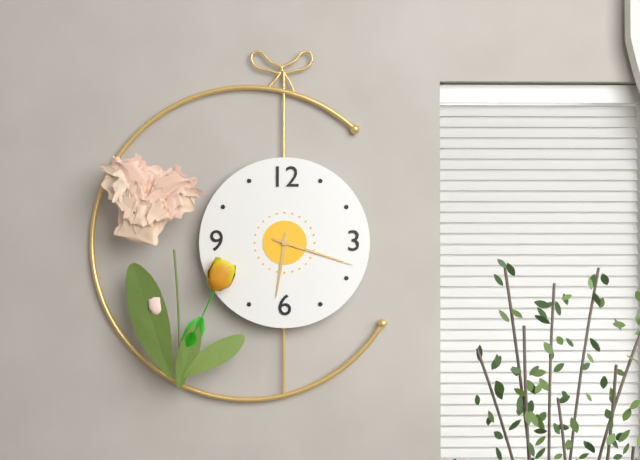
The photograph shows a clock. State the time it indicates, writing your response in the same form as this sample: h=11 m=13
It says h=6 m=18
